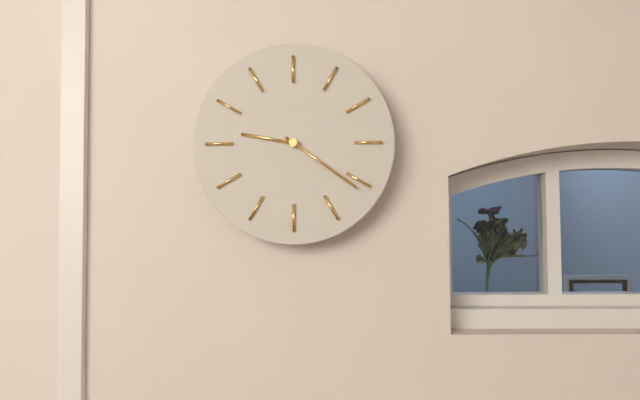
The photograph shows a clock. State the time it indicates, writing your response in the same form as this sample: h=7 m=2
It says h=9 m=21
